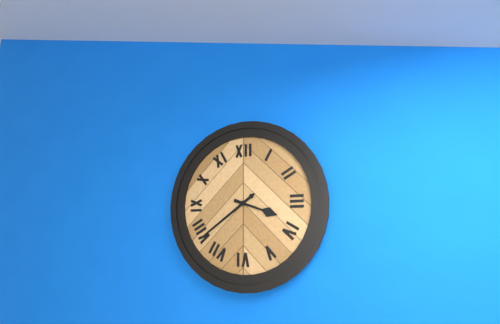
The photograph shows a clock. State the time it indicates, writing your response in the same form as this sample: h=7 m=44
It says h=3 m=39
